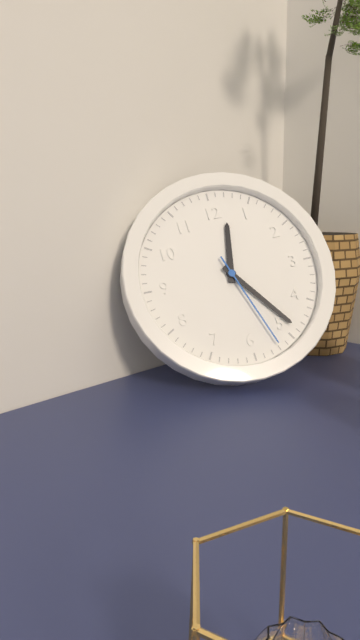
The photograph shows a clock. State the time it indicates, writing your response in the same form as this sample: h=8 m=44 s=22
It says h=12 m=24 s=27
